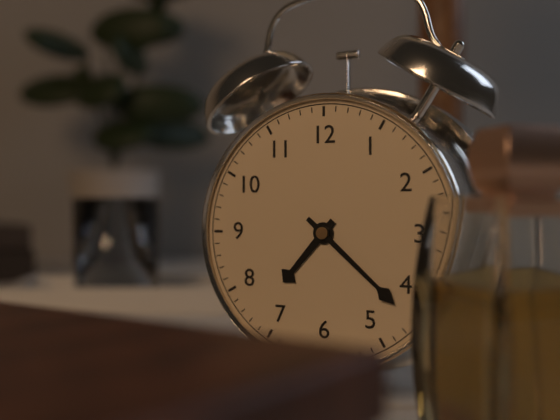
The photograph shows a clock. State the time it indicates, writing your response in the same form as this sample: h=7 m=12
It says h=7 m=22
